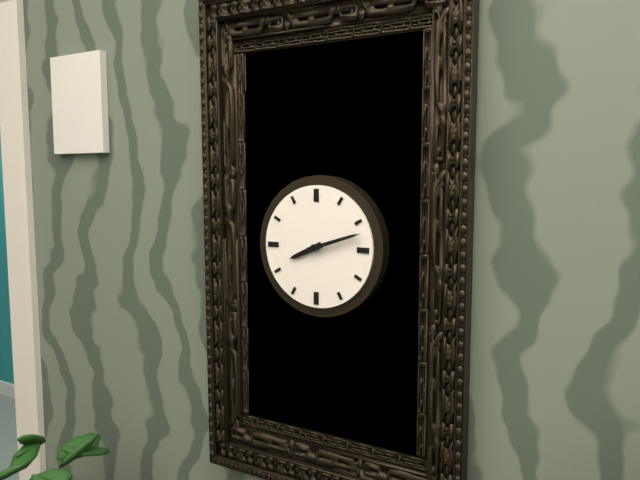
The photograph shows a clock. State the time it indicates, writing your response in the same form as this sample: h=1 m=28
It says h=8 m=12
